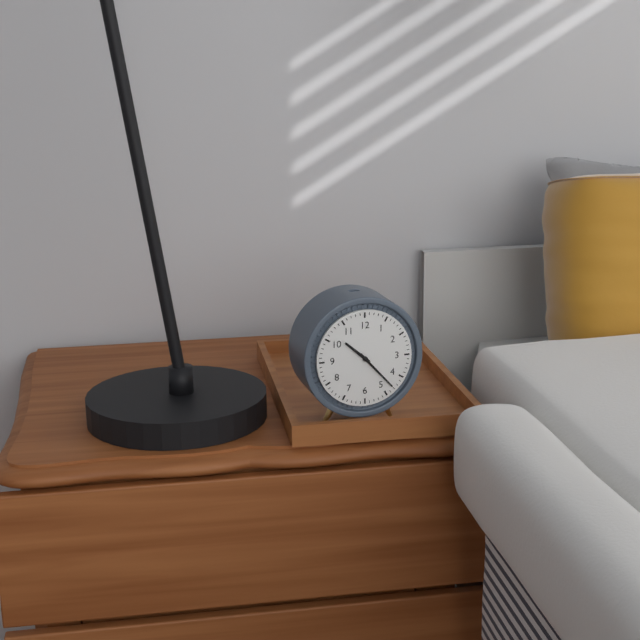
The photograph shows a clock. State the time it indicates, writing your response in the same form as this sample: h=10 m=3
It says h=10 m=23
